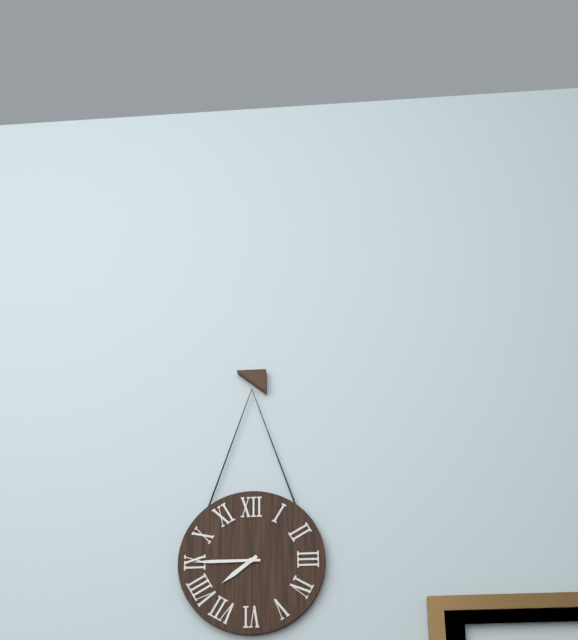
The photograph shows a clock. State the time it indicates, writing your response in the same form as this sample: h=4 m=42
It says h=7 m=45
